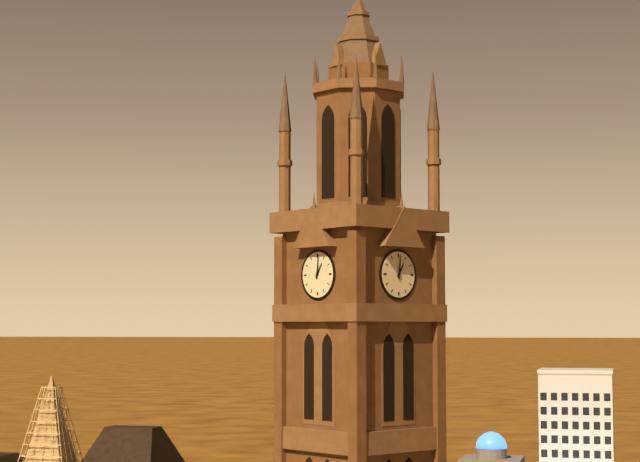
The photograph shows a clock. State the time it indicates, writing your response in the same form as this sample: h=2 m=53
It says h=1 m=1
